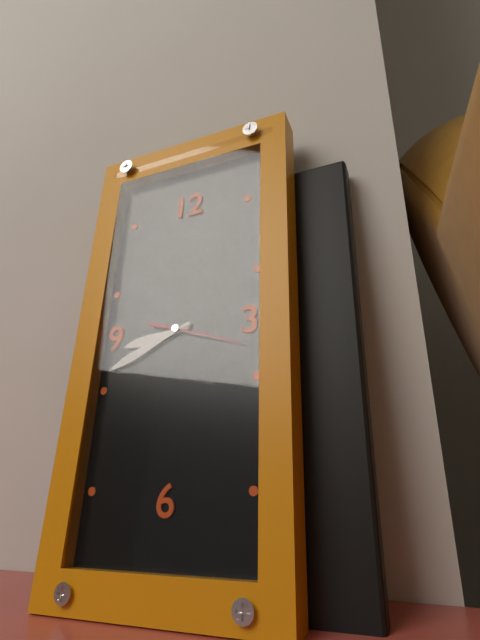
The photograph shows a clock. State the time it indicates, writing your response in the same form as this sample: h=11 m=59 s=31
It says h=8 m=41 s=18
